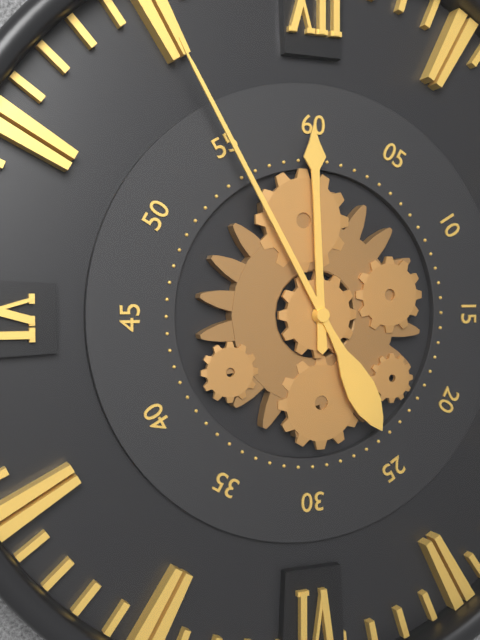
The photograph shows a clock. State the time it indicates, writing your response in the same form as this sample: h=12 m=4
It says h=11 m=55
